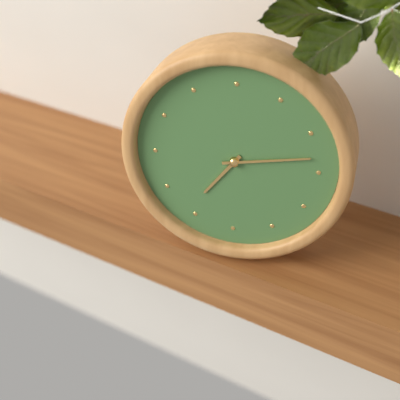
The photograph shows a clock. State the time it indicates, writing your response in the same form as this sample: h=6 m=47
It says h=7 m=13
